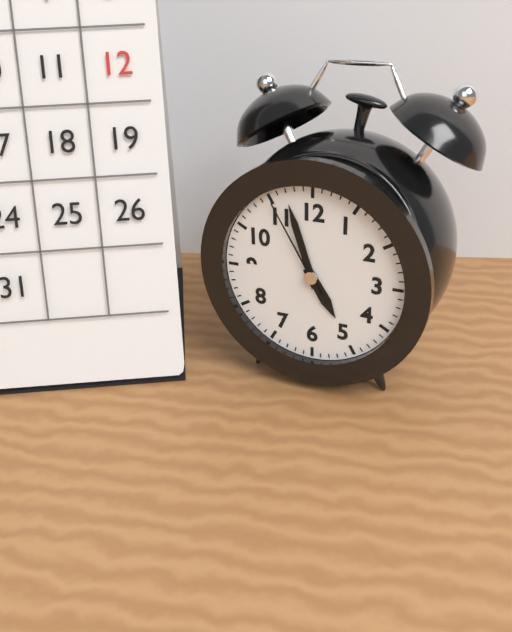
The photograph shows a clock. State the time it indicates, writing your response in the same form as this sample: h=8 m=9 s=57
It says h=4 m=57 s=55
